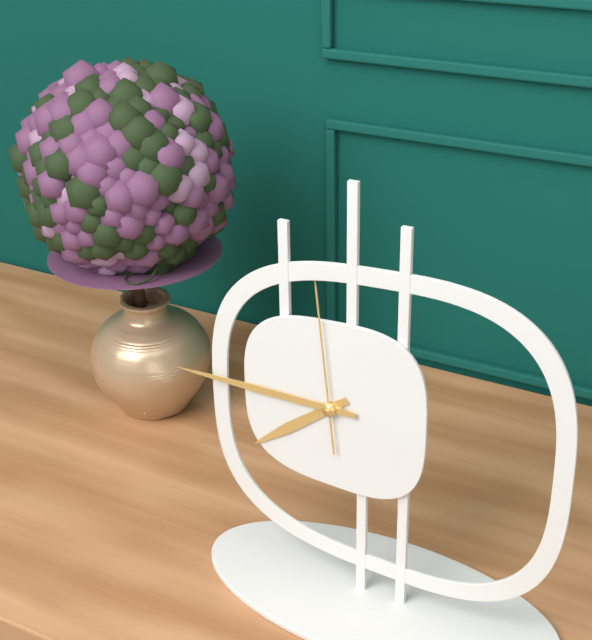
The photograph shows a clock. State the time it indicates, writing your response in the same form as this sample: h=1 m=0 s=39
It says h=7 m=45 s=59
